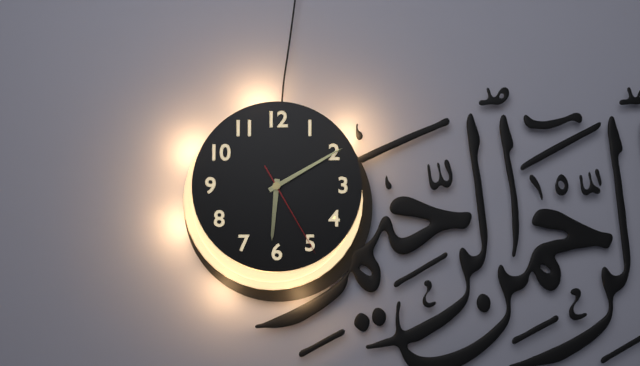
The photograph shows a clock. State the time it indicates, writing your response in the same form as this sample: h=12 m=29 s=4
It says h=6 m=10 s=25
